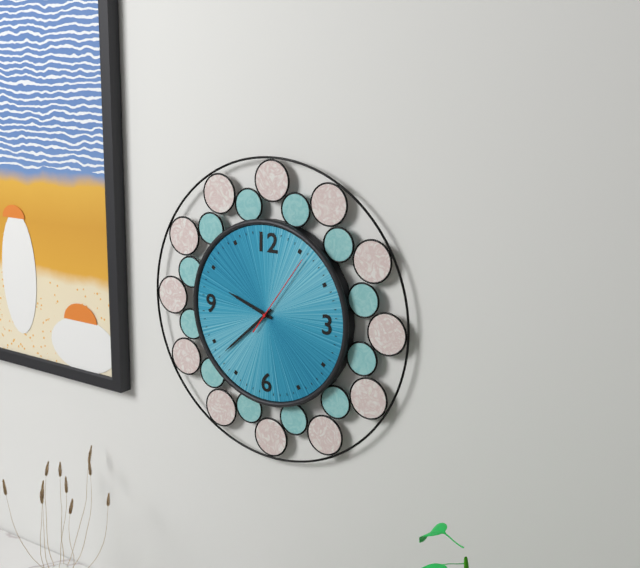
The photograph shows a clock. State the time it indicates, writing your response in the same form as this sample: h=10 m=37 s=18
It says h=9 m=38 s=6
